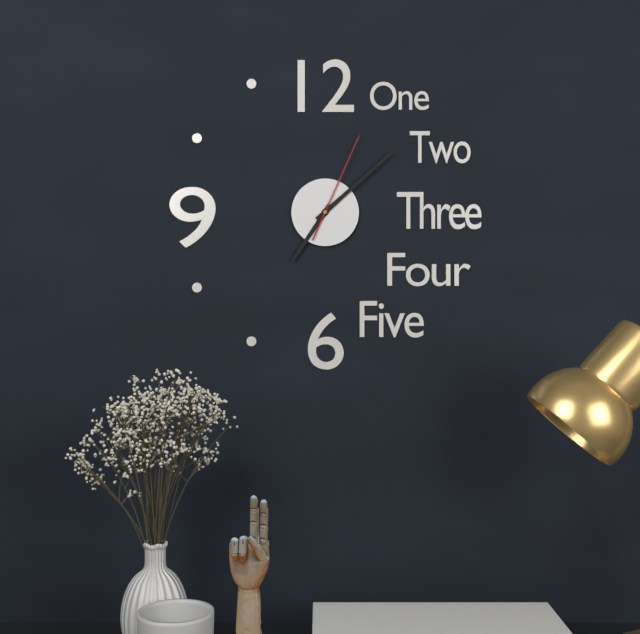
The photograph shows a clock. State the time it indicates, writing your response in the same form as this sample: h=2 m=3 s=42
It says h=7 m=8 s=4
